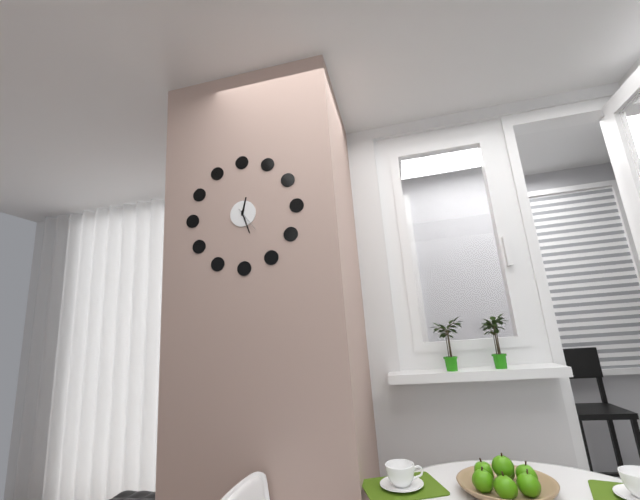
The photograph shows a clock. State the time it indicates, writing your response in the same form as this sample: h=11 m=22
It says h=12 m=27
